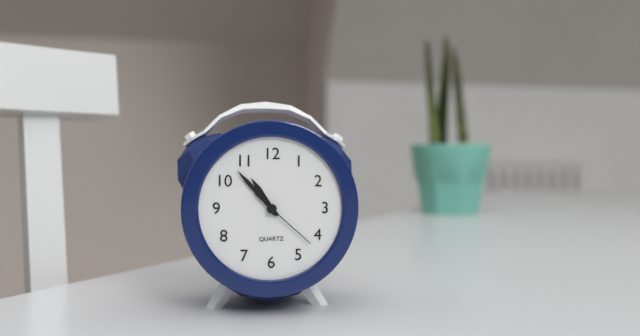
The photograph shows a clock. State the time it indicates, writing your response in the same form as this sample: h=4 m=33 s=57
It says h=10 m=53 s=22
